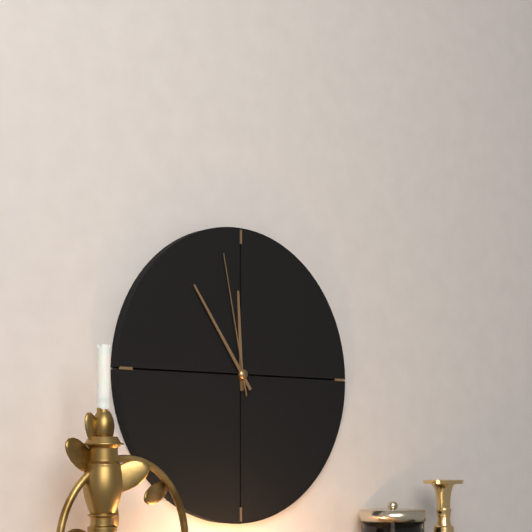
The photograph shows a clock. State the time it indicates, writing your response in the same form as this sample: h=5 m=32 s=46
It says h=11 m=54 s=58
